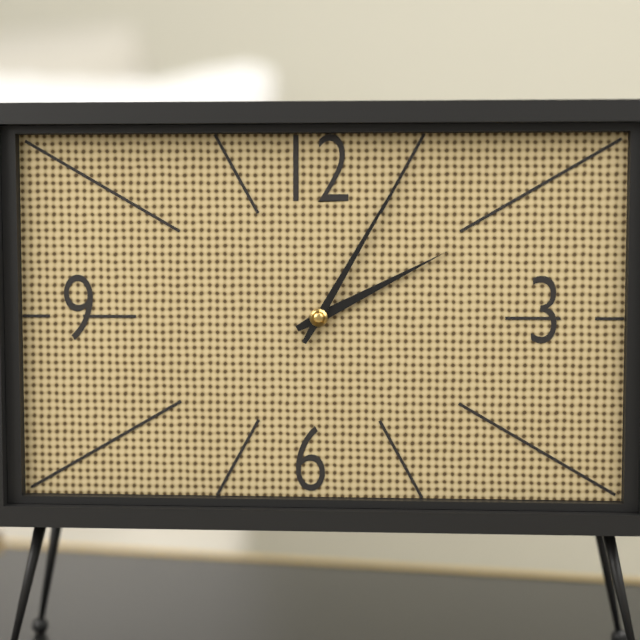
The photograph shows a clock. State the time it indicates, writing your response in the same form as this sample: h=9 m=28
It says h=2 m=5
